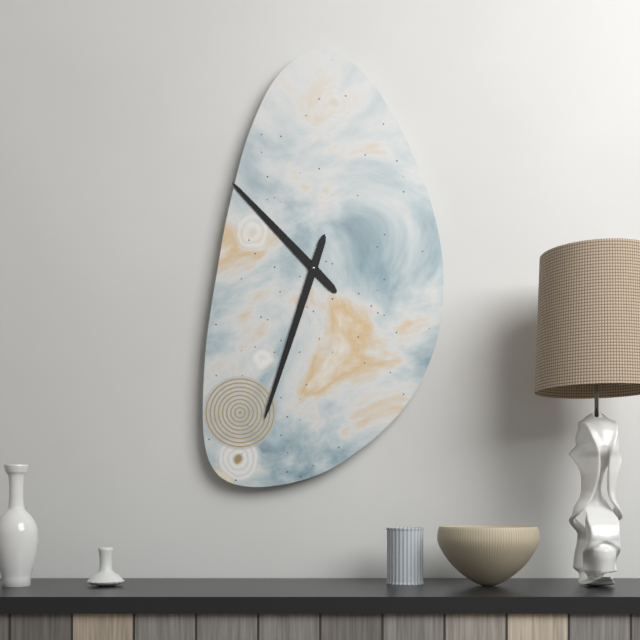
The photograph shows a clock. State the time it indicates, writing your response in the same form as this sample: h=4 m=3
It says h=10 m=33
